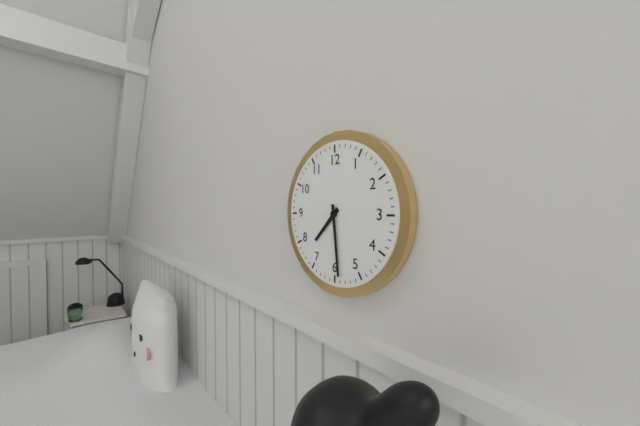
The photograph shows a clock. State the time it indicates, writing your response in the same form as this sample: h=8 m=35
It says h=7 m=29
